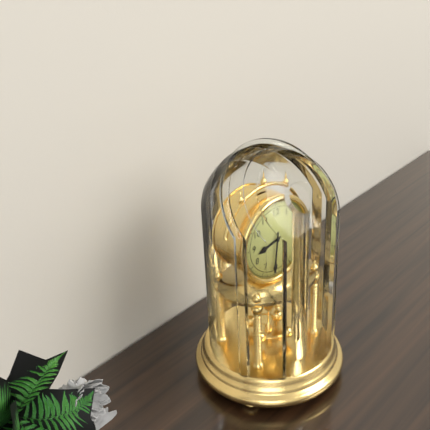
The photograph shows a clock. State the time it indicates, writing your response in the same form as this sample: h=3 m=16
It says h=8 m=31
